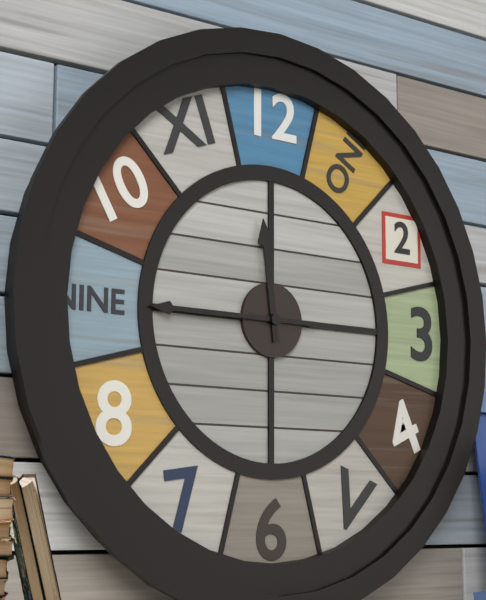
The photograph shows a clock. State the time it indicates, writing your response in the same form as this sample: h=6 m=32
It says h=11 m=45
